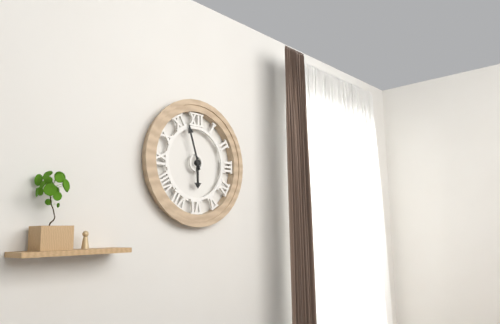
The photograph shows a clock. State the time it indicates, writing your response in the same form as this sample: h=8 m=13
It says h=5 m=57
